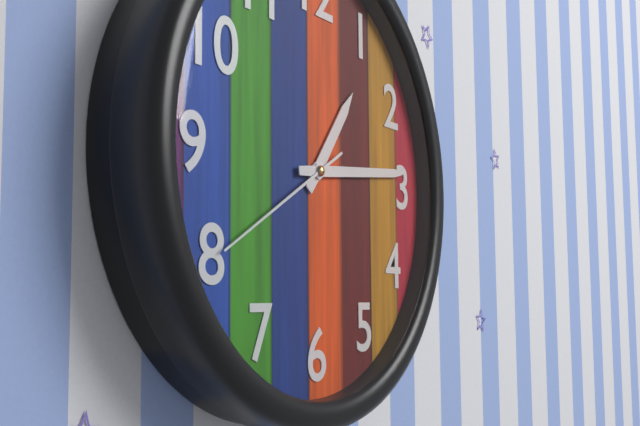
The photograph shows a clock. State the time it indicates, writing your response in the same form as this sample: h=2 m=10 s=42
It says h=1 m=14 s=40
